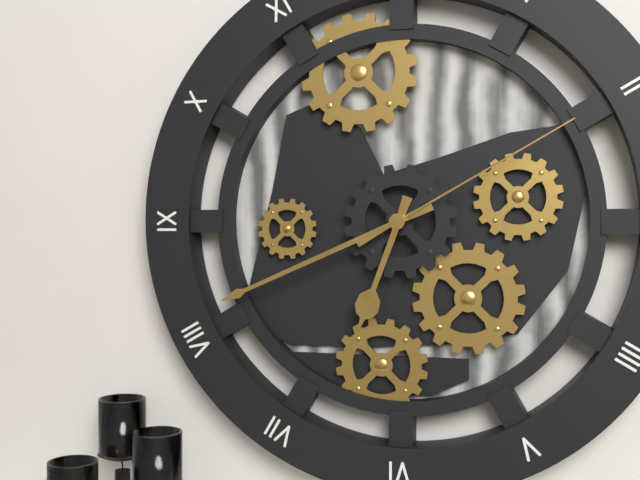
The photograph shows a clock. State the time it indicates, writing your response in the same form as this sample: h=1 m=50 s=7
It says h=6 m=41 s=10
